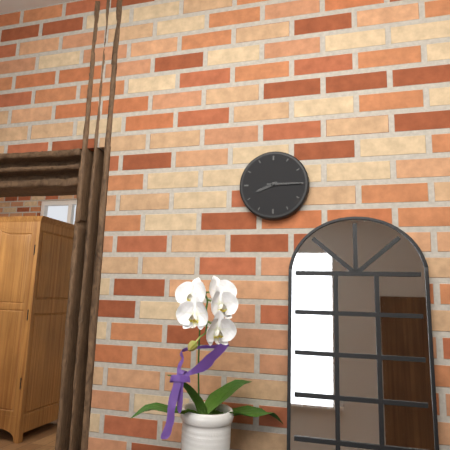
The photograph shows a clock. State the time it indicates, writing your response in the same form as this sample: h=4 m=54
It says h=8 m=15
